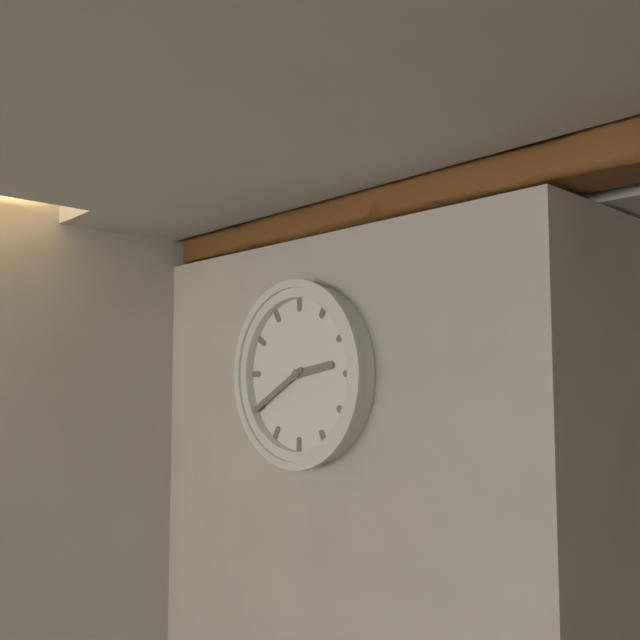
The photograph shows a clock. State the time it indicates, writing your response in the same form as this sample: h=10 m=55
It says h=2 m=40
